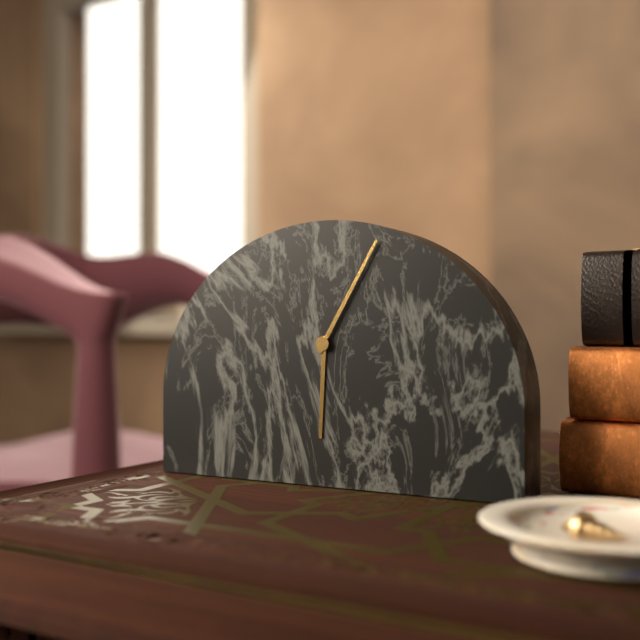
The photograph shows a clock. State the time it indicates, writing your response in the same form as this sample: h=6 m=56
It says h=6 m=5
